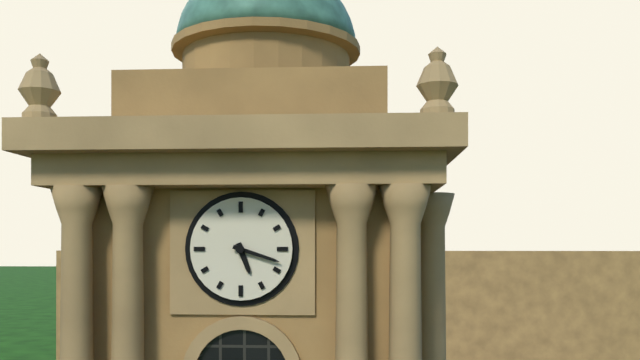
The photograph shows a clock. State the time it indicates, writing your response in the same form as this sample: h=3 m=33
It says h=5 m=18
